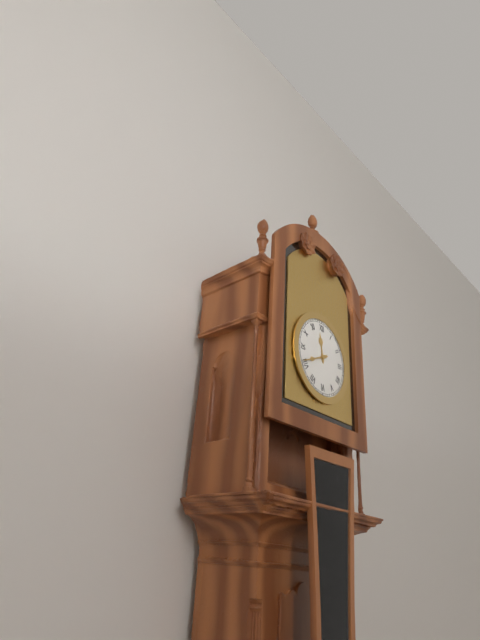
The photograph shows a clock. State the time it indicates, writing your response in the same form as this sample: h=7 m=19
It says h=11 m=41
